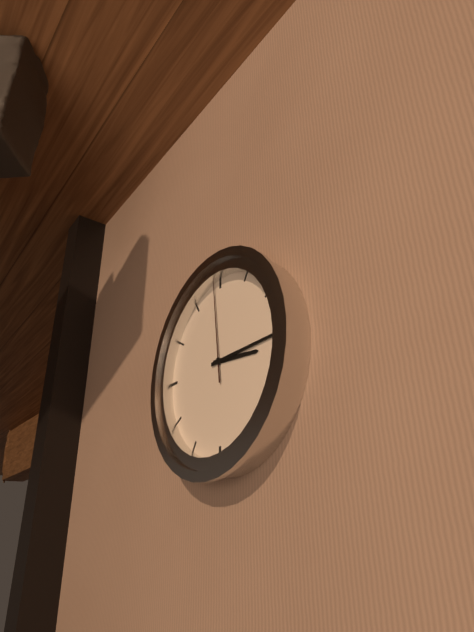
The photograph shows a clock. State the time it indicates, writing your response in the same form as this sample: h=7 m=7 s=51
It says h=3 m=15 s=59
